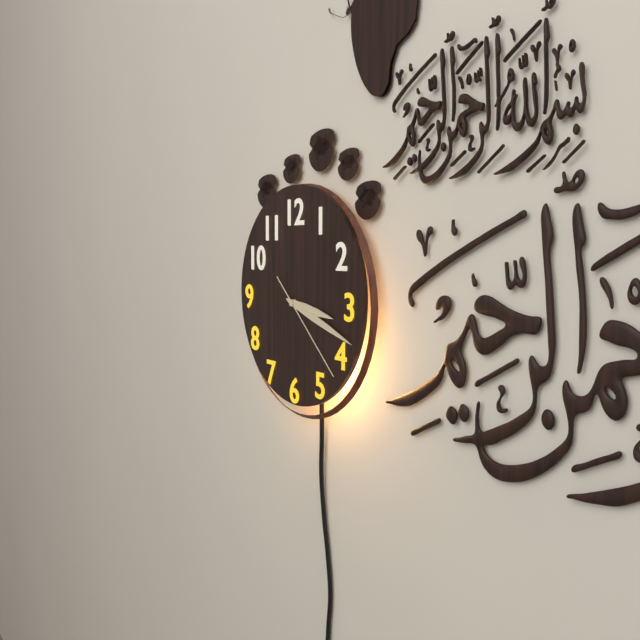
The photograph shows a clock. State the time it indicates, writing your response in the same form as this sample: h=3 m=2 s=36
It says h=3 m=18 s=22
